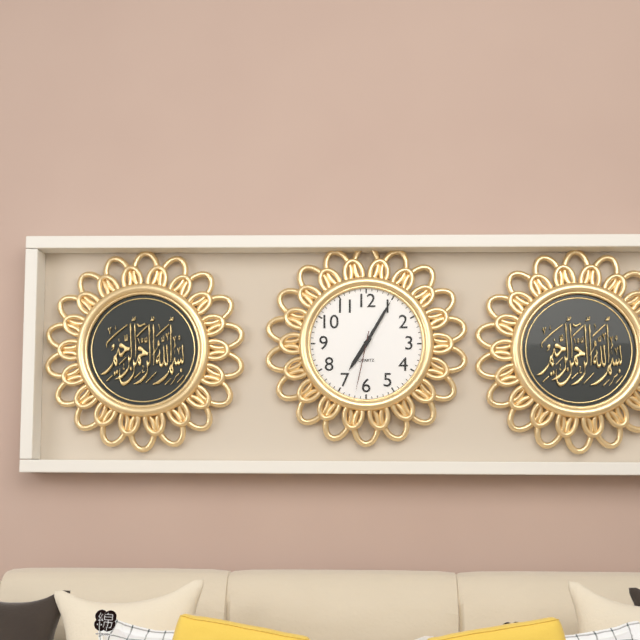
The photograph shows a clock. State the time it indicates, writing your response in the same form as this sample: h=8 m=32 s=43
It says h=7 m=5 s=32
